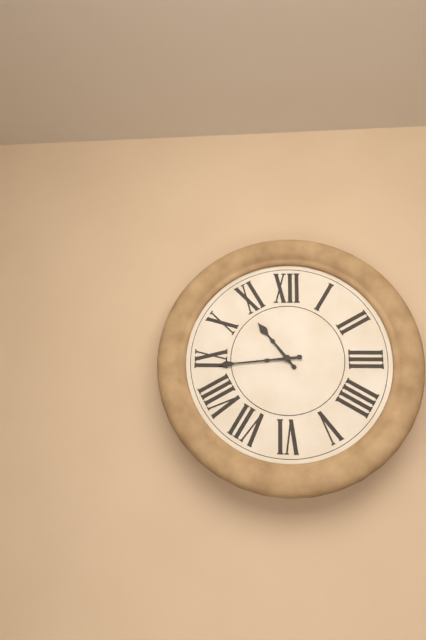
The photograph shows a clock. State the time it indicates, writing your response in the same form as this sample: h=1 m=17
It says h=10 m=44
